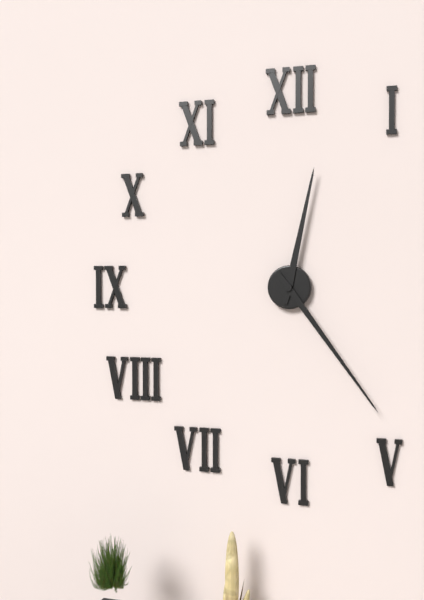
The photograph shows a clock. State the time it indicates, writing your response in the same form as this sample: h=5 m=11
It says h=12 m=24
